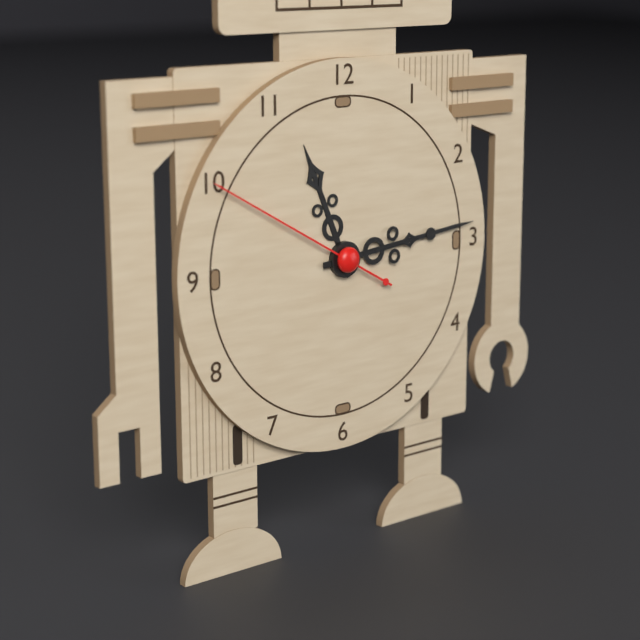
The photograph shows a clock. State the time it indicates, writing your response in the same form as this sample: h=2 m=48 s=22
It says h=11 m=14 s=50
